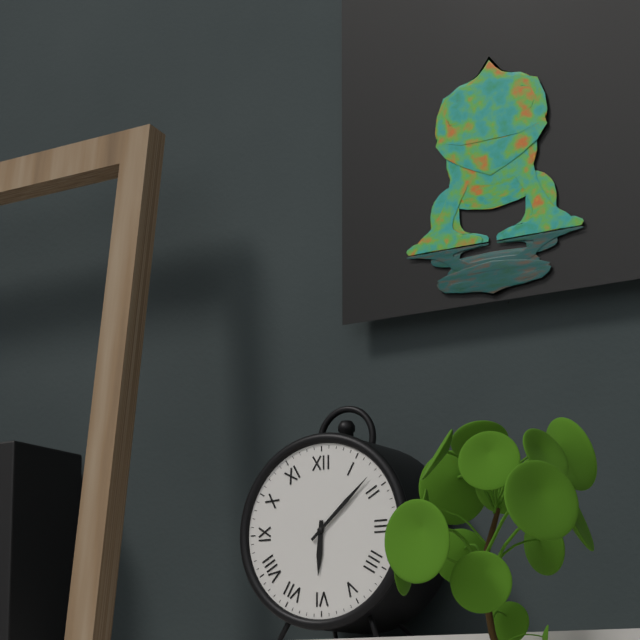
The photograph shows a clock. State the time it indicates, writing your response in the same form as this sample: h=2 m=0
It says h=6 m=8
